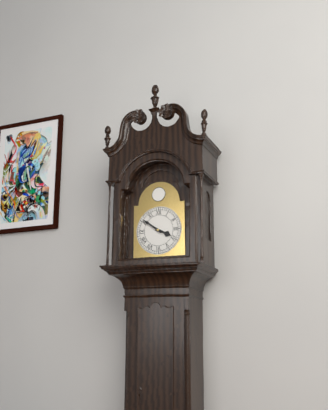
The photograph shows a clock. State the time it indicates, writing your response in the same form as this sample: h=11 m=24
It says h=3 m=51
